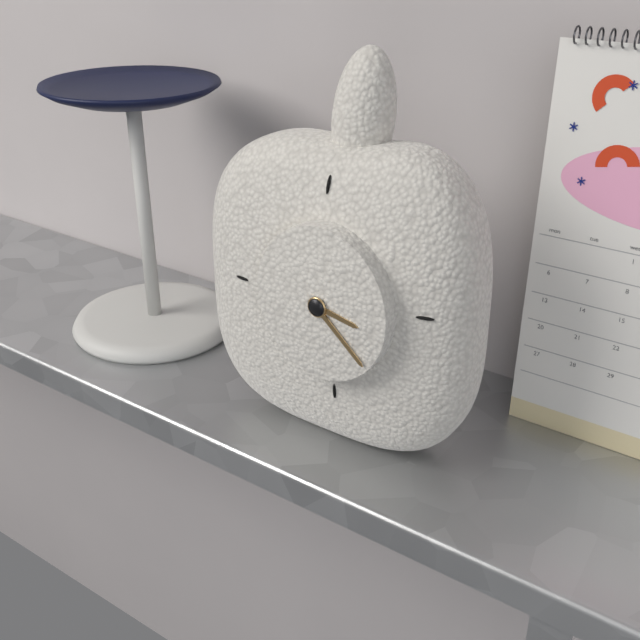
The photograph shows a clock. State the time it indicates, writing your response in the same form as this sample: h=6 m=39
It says h=3 m=22
